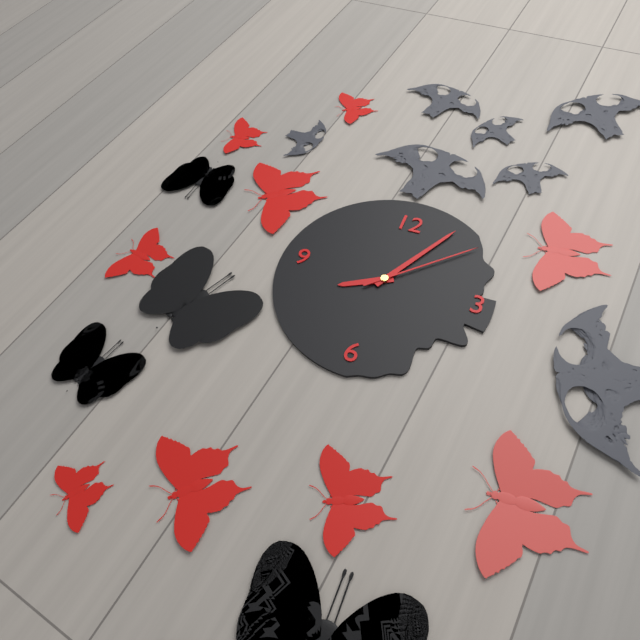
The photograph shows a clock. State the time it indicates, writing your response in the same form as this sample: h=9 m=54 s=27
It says h=8 m=5 s=8
